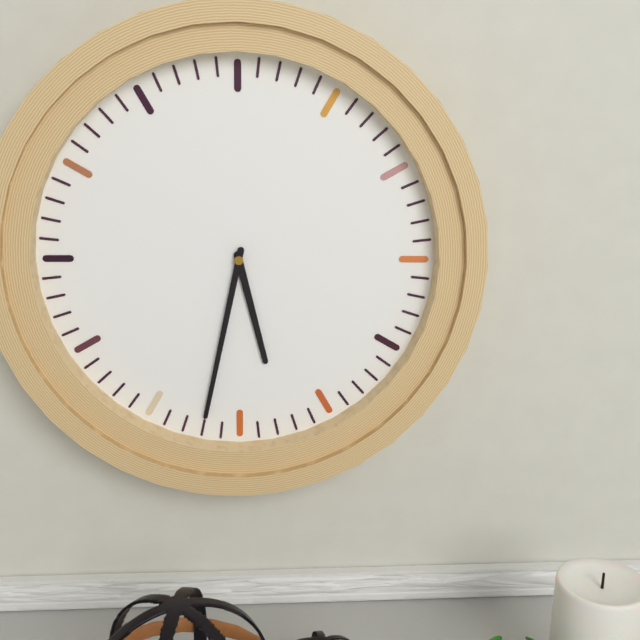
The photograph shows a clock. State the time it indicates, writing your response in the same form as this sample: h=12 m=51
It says h=5 m=32
